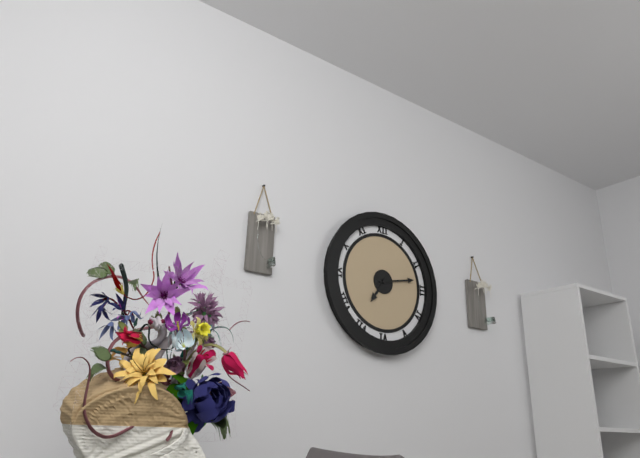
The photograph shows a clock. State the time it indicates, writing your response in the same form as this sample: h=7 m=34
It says h=7 m=13
